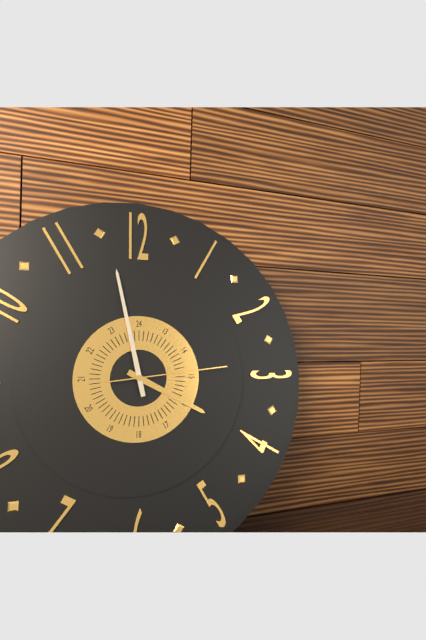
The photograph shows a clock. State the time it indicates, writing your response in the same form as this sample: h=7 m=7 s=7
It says h=3 m=58 s=14
